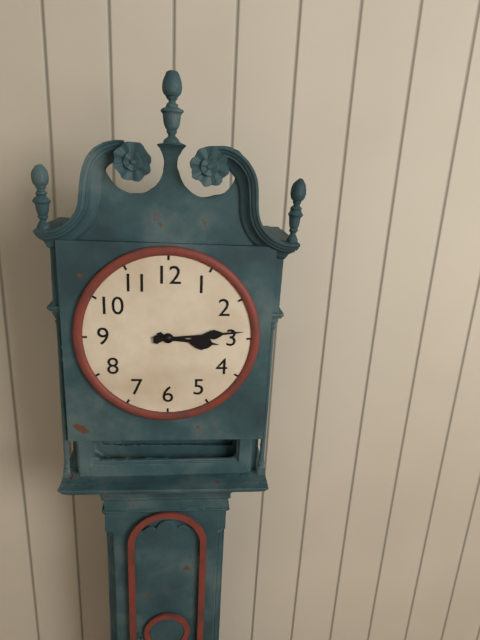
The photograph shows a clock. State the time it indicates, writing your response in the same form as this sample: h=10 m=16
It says h=3 m=14
